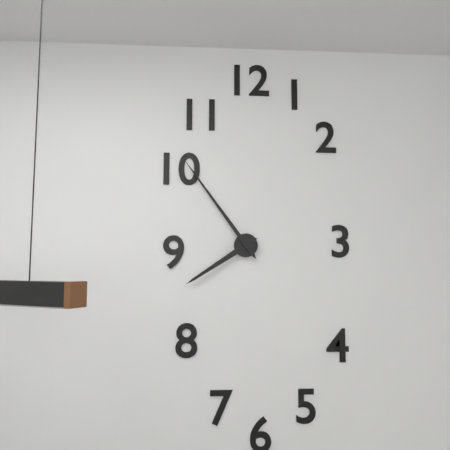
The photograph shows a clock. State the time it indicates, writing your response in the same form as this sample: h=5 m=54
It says h=7 m=54
